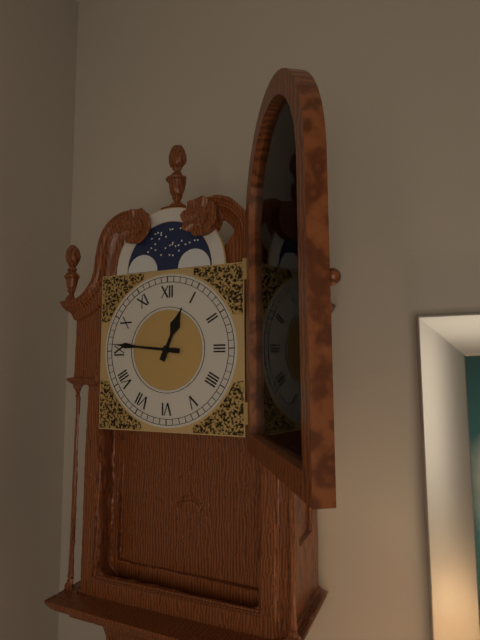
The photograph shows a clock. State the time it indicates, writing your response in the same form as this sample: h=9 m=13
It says h=12 m=46
